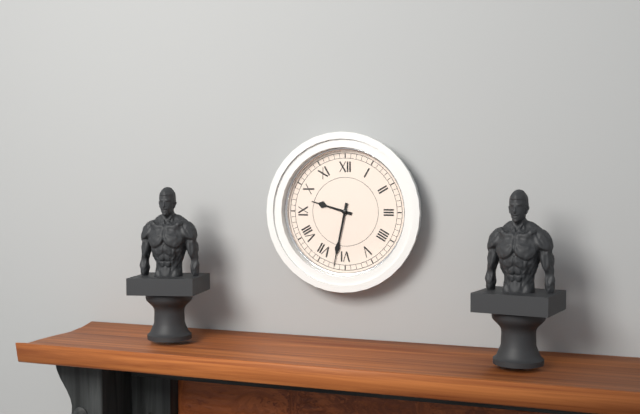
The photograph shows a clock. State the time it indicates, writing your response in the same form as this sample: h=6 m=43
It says h=9 m=32
